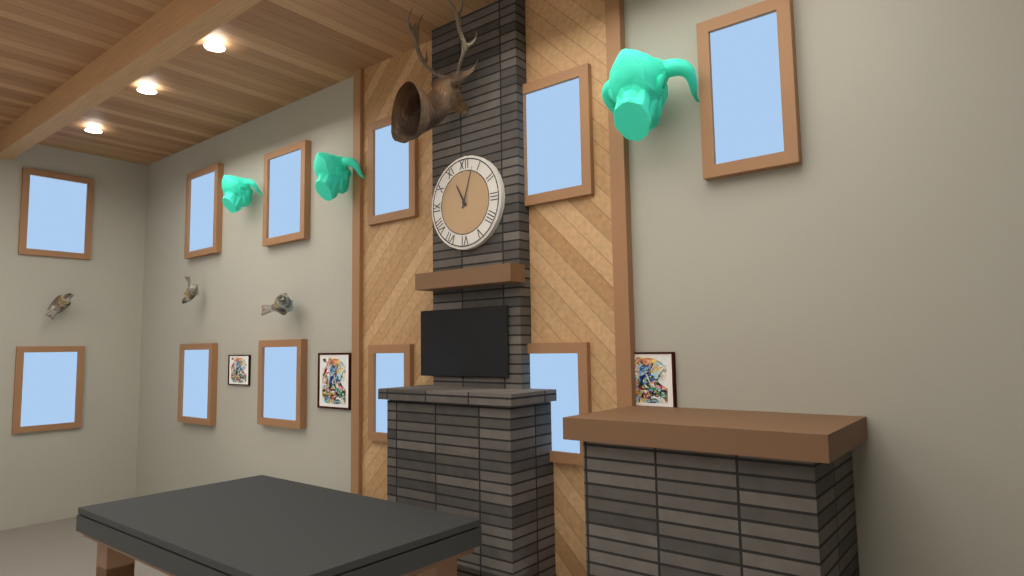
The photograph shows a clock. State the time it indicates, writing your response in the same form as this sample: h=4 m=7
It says h=11 m=3
